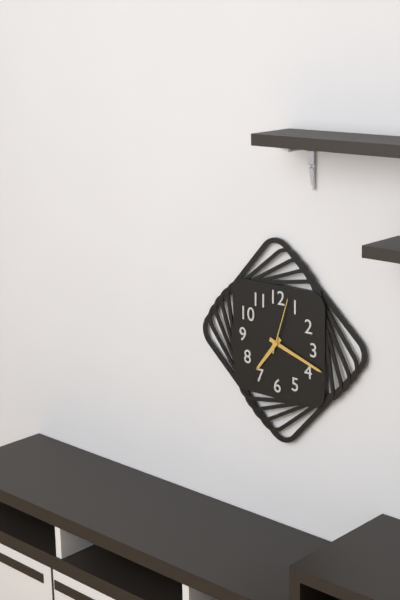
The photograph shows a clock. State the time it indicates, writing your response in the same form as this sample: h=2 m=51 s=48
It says h=7 m=18 s=3
